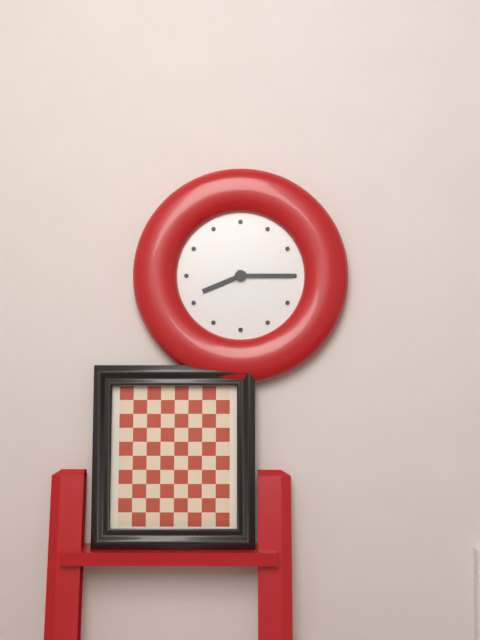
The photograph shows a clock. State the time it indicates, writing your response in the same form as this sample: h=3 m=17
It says h=8 m=15
